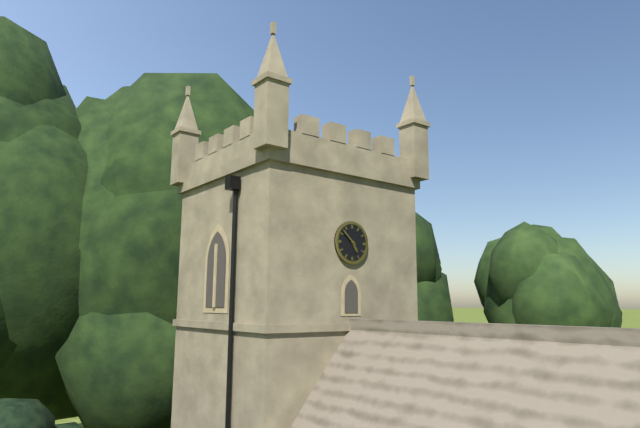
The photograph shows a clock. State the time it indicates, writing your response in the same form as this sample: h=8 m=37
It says h=4 m=52
